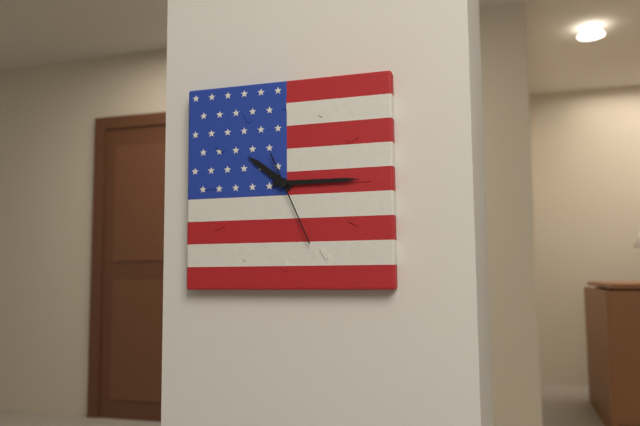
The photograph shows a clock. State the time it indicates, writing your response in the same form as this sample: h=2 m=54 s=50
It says h=10 m=15 s=26
